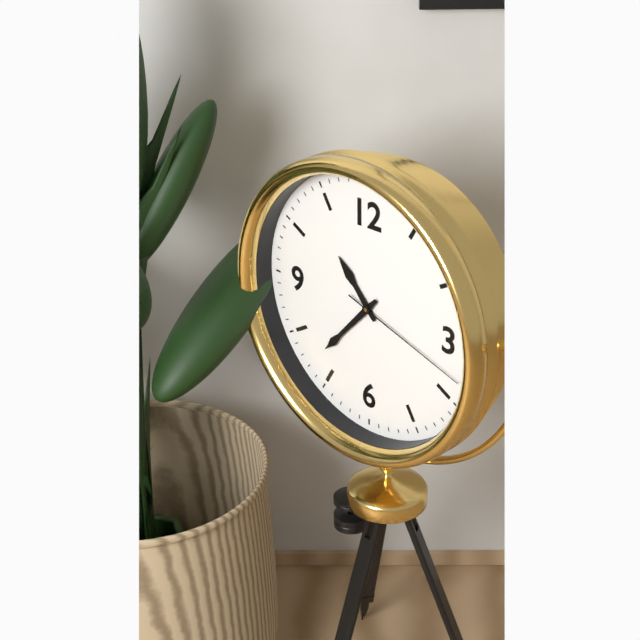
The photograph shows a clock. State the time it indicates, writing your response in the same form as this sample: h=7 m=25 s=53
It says h=10 m=37 s=18
